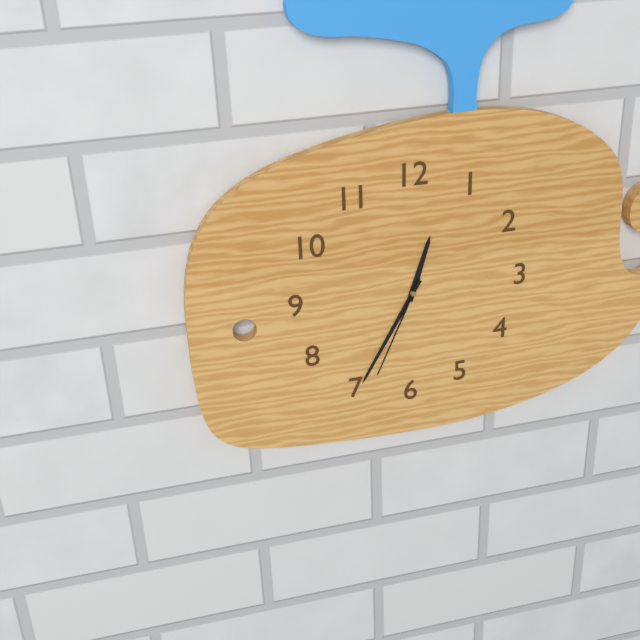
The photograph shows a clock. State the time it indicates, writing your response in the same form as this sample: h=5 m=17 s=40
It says h=12 m=35 s=34
